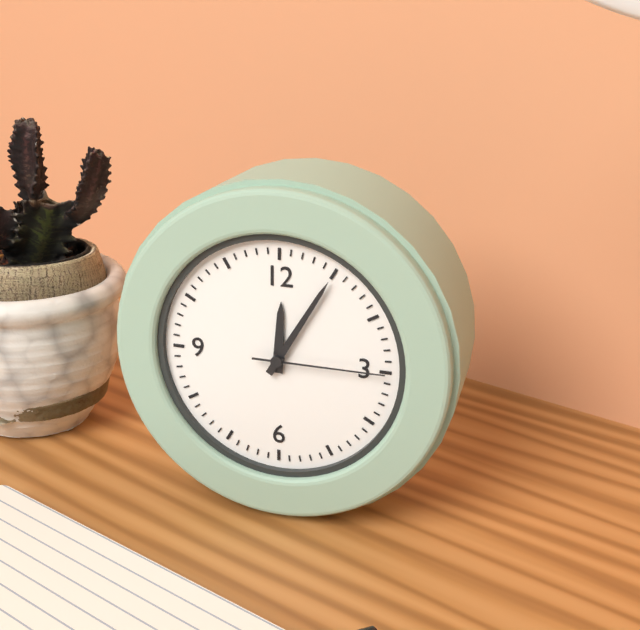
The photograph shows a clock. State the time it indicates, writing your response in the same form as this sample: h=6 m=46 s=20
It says h=12 m=5 s=15
